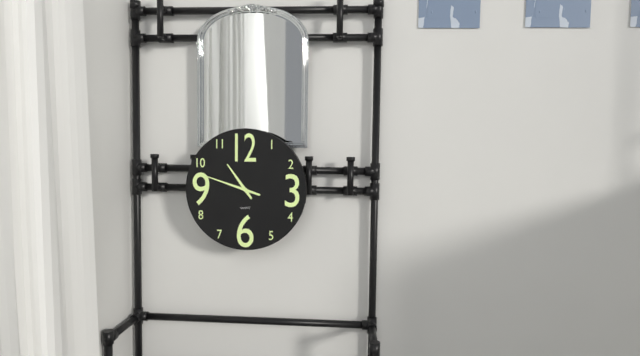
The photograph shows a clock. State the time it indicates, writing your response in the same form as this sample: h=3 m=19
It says h=10 m=48
